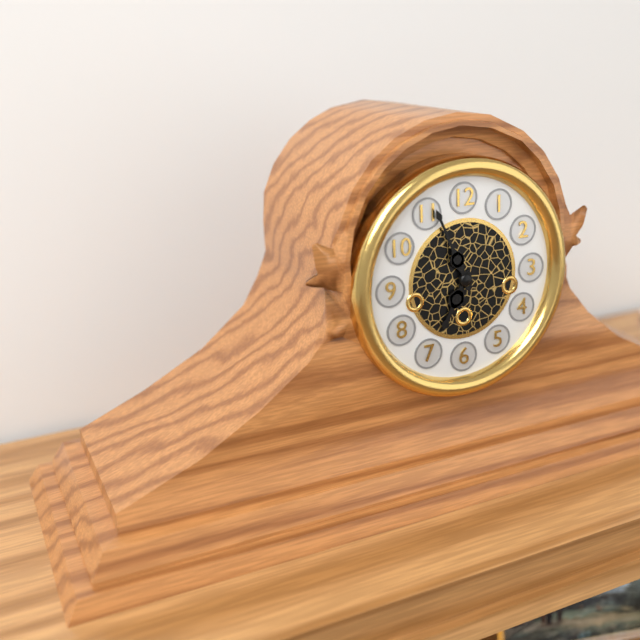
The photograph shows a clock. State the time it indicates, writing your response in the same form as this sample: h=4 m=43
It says h=6 m=56
